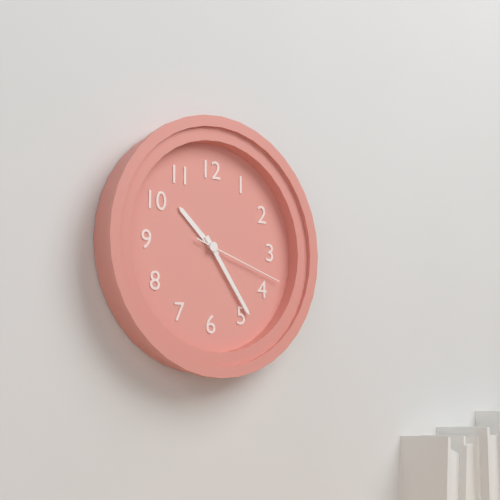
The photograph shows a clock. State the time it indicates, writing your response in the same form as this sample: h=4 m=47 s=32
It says h=10 m=24 s=18
